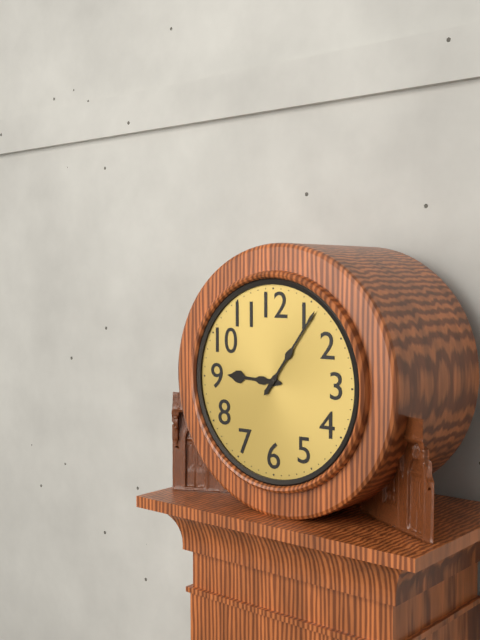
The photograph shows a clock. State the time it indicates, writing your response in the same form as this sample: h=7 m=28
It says h=9 m=6
